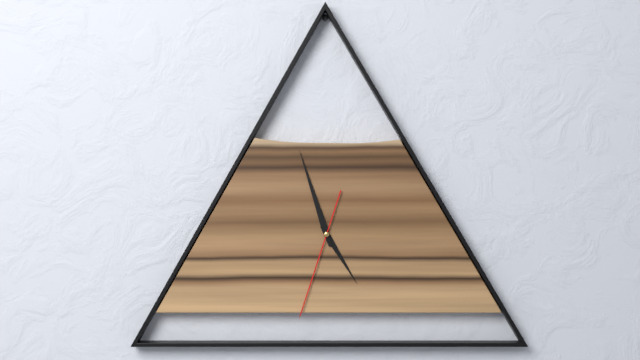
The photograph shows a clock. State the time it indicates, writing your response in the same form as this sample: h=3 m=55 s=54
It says h=4 m=57 s=33
